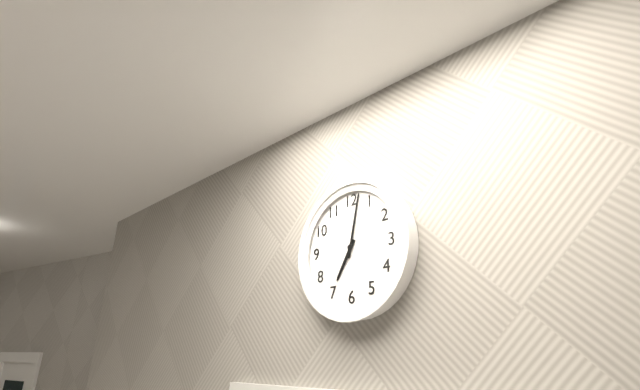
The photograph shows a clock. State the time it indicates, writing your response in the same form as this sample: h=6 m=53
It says h=7 m=2
